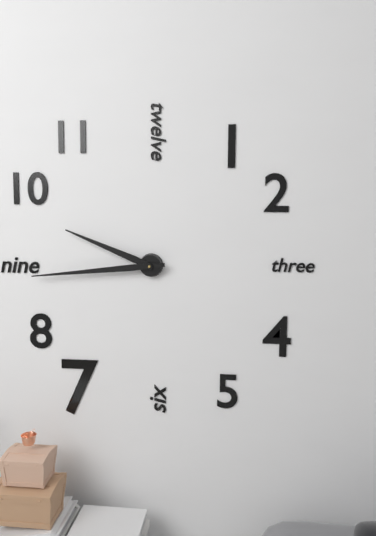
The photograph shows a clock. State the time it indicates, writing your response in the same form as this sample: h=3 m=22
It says h=9 m=44
